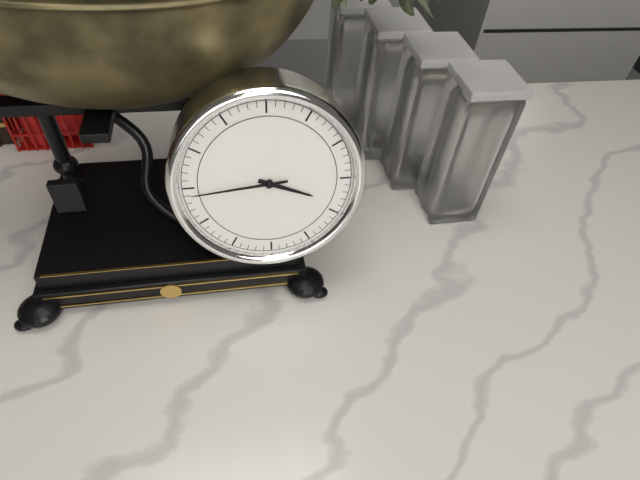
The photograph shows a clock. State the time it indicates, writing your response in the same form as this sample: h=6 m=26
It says h=3 m=44
